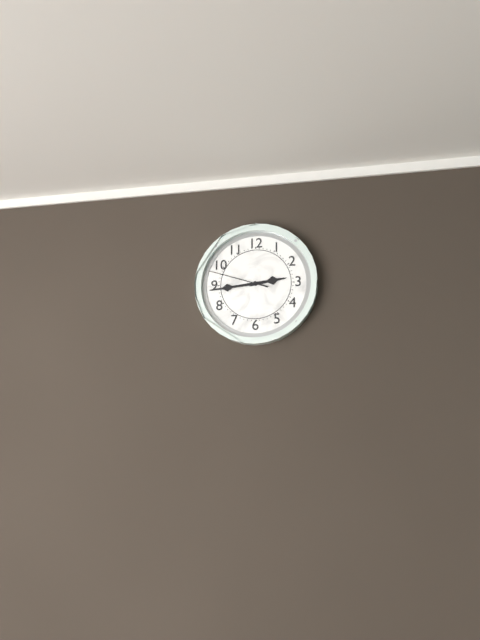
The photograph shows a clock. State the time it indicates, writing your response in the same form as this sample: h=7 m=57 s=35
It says h=2 m=44 s=48
